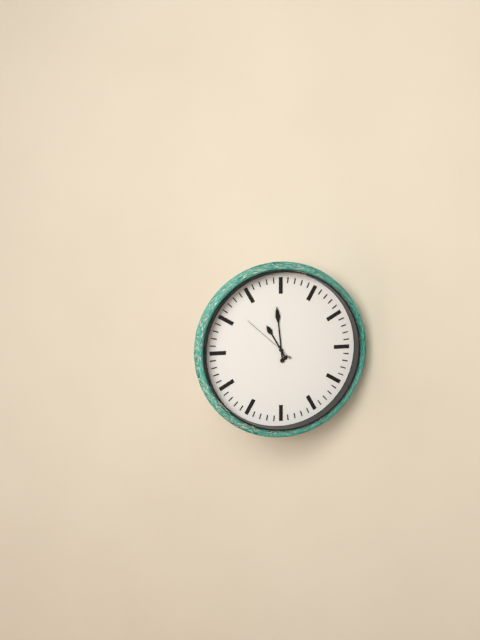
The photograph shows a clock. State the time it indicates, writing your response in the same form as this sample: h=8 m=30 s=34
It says h=10 m=59 s=52
